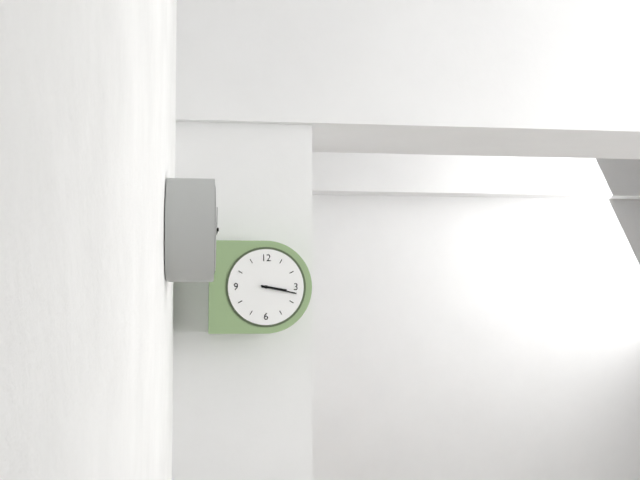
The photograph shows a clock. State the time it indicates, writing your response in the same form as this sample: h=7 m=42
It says h=3 m=17
